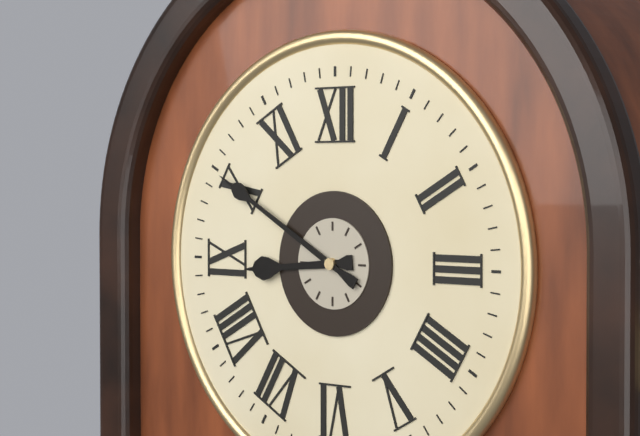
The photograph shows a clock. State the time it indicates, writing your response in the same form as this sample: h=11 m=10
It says h=8 m=50
